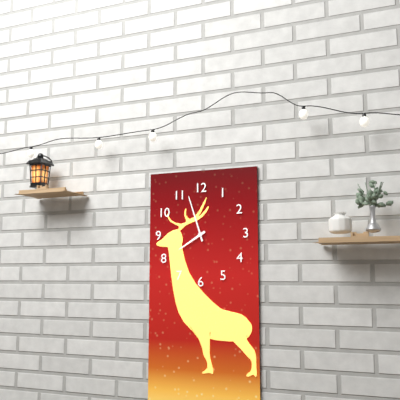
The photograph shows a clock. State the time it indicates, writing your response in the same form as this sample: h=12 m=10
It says h=7 m=57
